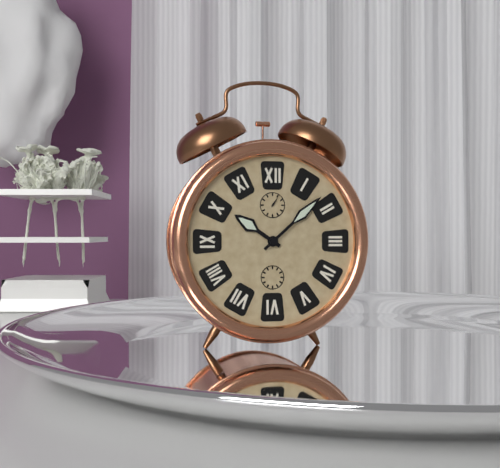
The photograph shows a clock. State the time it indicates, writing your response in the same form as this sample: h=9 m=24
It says h=10 m=8
